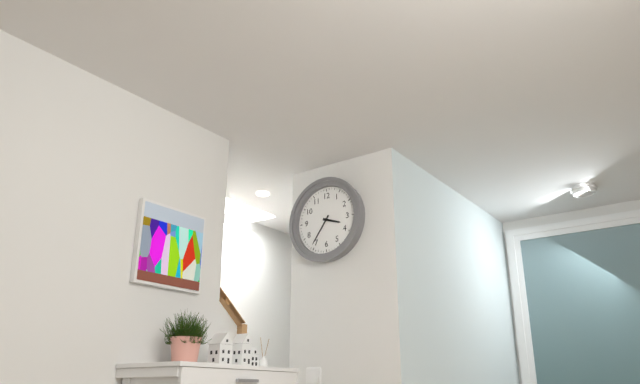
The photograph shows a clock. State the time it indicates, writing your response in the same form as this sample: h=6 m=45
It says h=3 m=36
